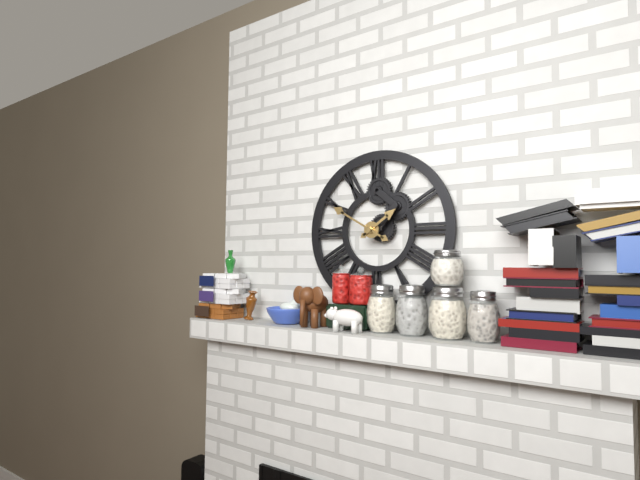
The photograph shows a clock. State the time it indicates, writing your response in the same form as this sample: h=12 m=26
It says h=1 m=50
